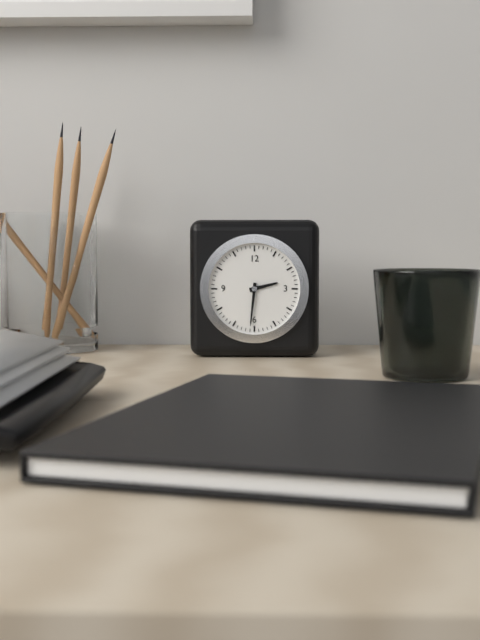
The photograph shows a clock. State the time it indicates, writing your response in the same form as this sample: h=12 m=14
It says h=2 m=31
